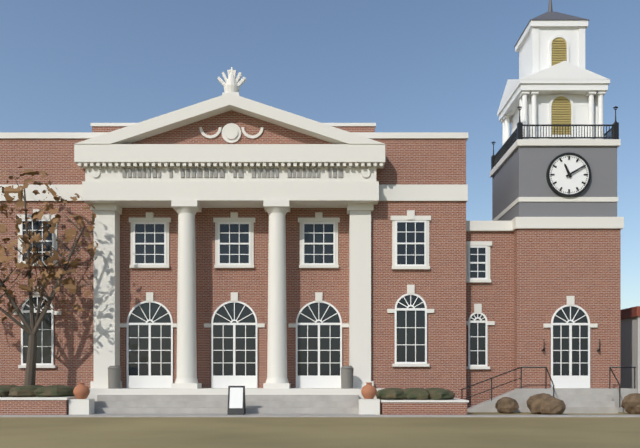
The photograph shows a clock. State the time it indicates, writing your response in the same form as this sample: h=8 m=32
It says h=11 m=10
